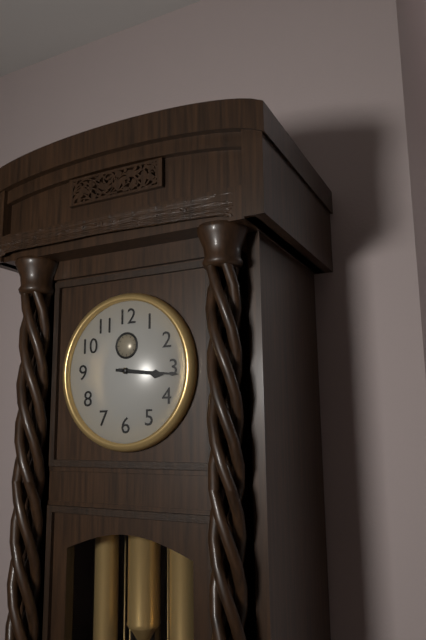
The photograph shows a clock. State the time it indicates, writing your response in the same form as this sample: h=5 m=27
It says h=3 m=16
